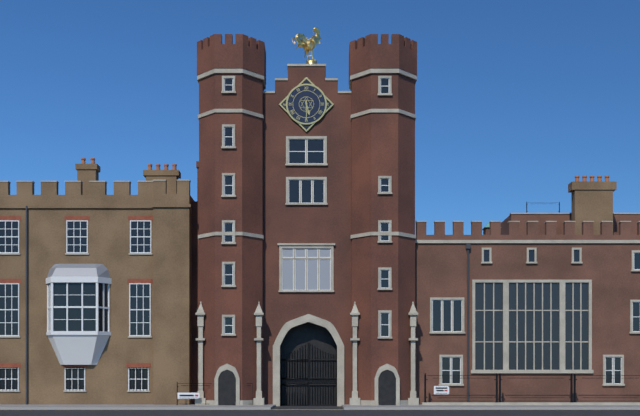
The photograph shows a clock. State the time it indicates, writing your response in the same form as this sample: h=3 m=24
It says h=5 m=30
